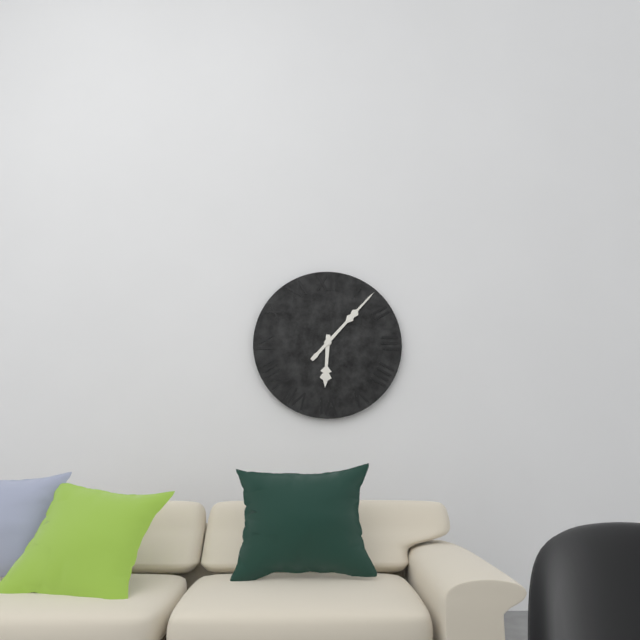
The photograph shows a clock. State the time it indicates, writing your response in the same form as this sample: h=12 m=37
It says h=6 m=7
